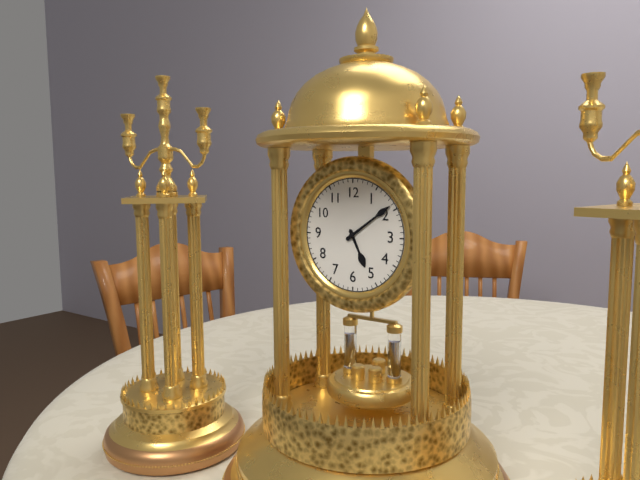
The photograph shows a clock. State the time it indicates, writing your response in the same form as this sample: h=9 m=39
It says h=5 m=9
